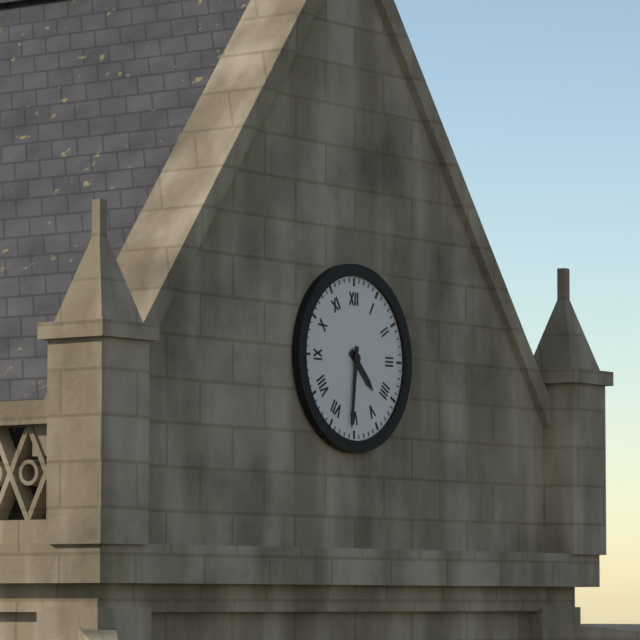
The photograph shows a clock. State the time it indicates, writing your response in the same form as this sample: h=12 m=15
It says h=4 m=31
